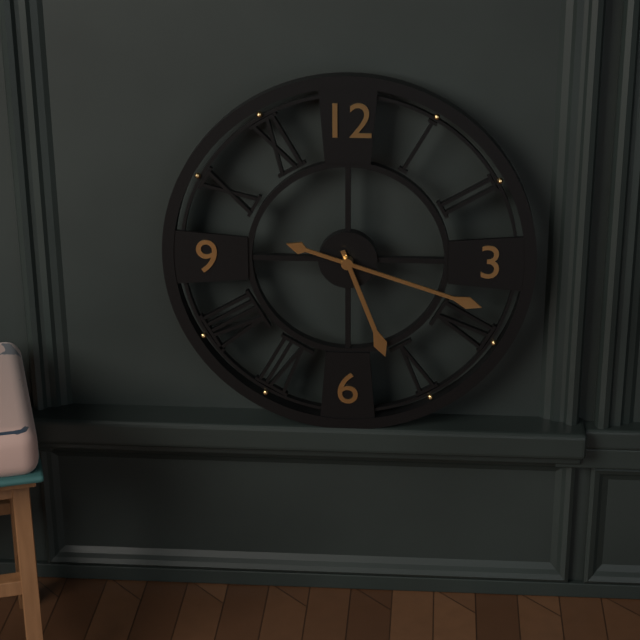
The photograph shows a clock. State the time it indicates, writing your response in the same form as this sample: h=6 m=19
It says h=5 m=18
